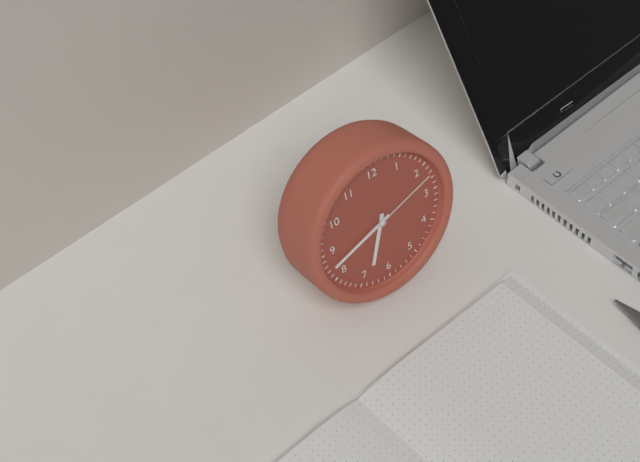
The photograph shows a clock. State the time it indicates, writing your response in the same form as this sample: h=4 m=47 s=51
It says h=6 m=42 s=12
